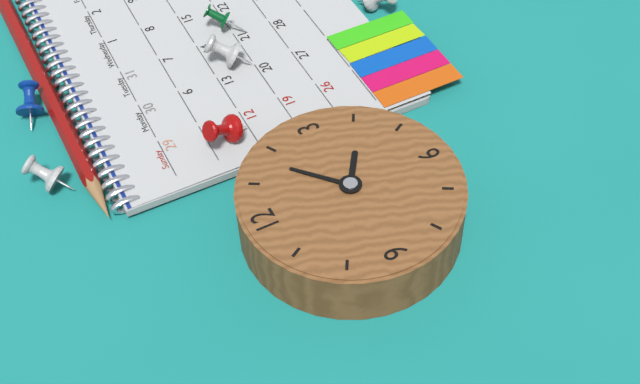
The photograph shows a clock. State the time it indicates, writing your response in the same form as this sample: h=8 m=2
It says h=4 m=8
